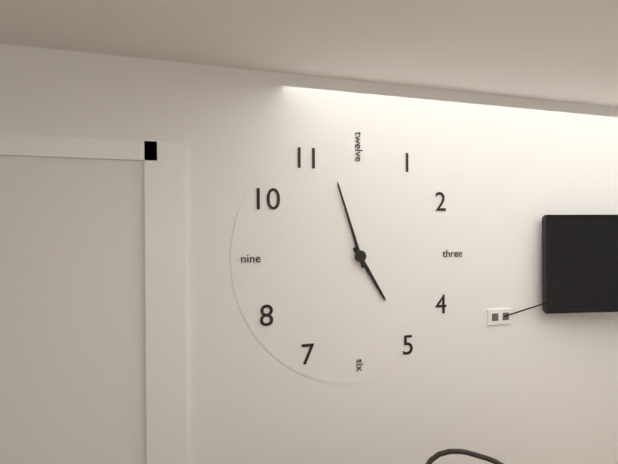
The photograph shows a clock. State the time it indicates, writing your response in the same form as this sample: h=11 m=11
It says h=4 m=57
